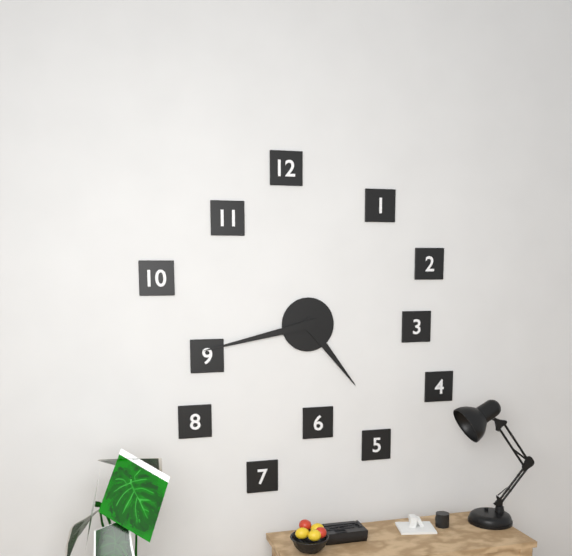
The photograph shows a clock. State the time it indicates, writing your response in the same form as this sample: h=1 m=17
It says h=4 m=43
